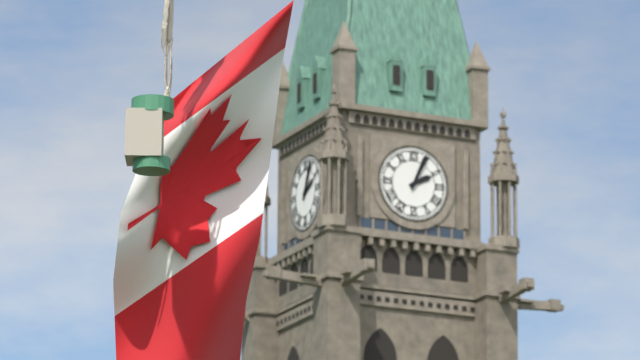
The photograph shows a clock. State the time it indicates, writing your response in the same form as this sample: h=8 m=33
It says h=2 m=4
